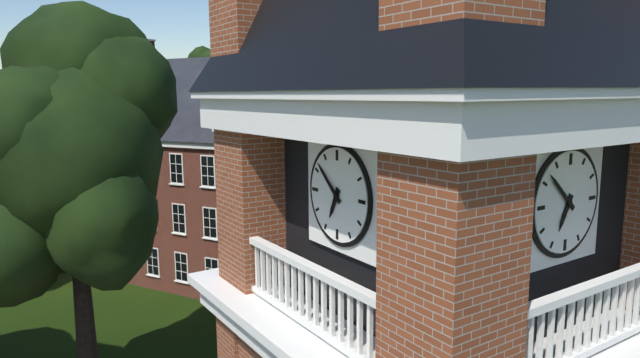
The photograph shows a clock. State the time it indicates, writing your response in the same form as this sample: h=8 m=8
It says h=6 m=52
